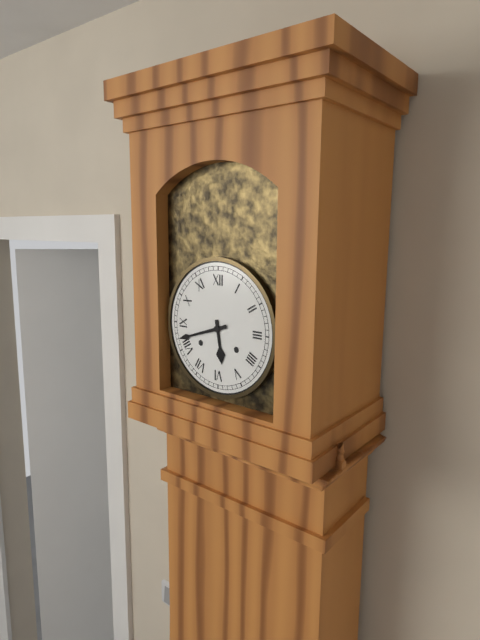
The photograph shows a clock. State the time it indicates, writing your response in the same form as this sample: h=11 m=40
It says h=5 m=42
